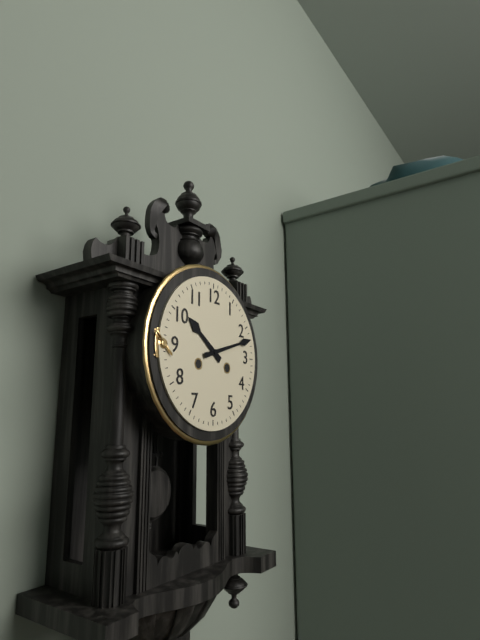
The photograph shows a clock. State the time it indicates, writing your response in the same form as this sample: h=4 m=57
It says h=10 m=12
